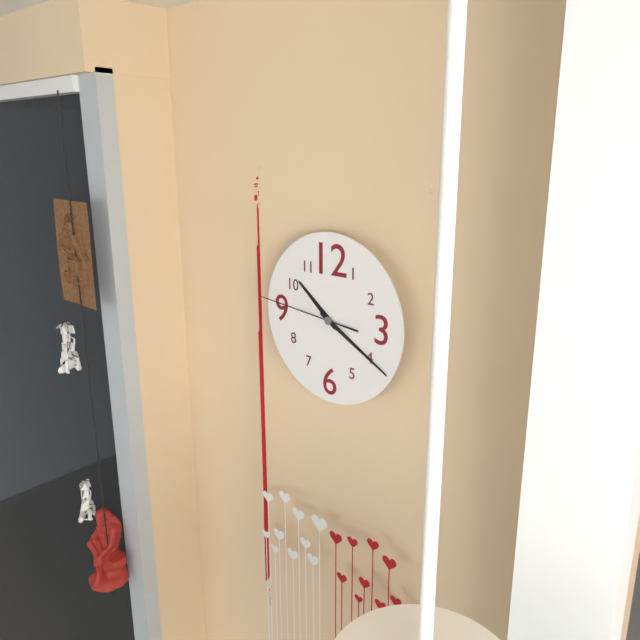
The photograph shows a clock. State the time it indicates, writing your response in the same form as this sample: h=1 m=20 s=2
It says h=10 m=20 s=46
